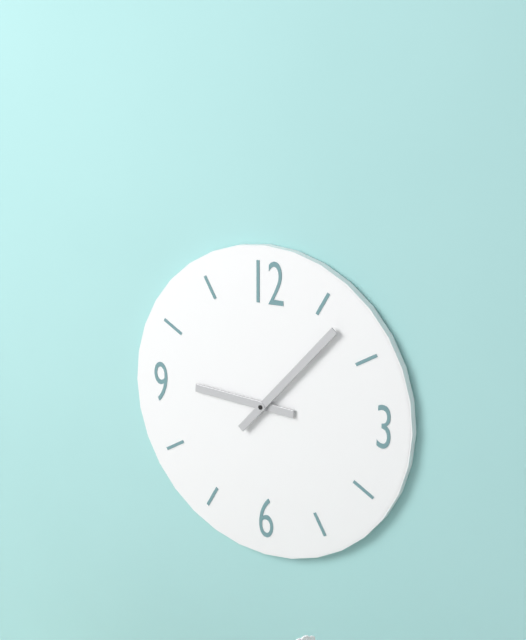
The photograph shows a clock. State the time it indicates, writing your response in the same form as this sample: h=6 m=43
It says h=9 m=7
